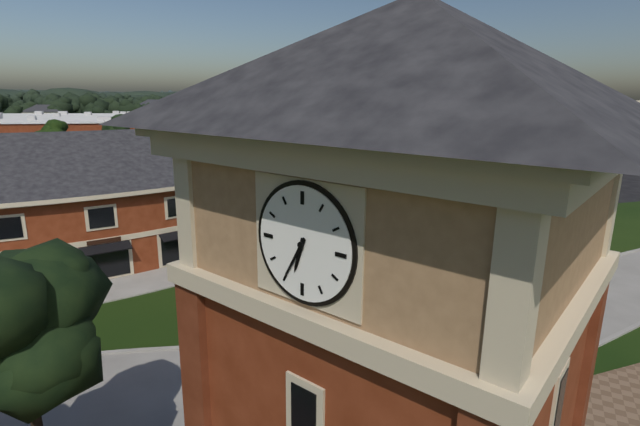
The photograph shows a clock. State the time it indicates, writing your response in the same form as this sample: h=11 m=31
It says h=6 m=35
